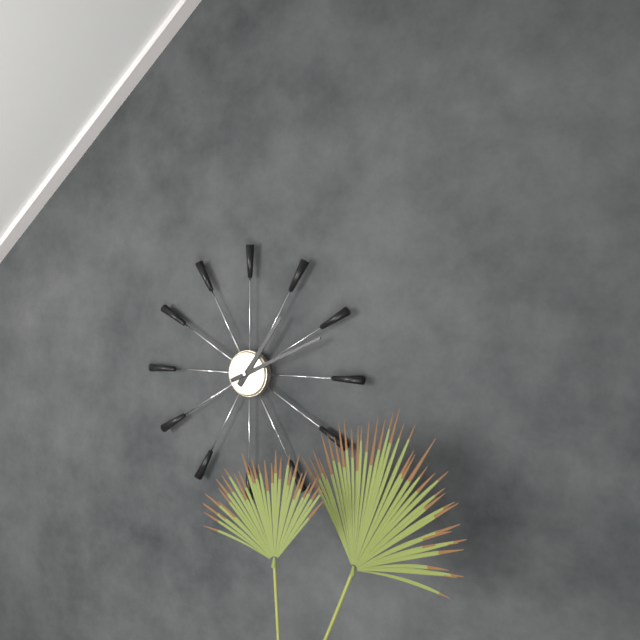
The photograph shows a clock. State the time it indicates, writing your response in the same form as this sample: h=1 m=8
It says h=1 m=11
